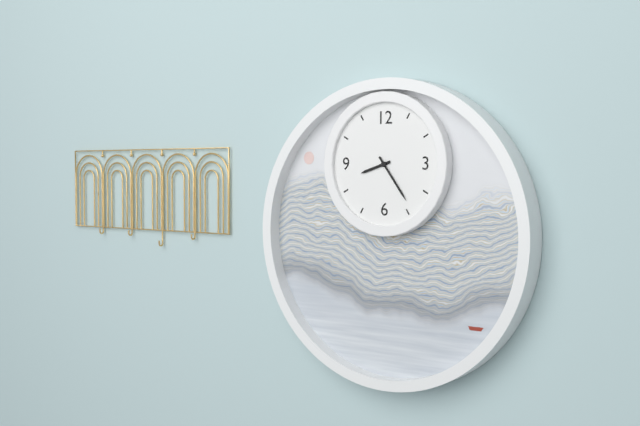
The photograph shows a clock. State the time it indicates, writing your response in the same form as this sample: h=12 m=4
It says h=8 m=24
